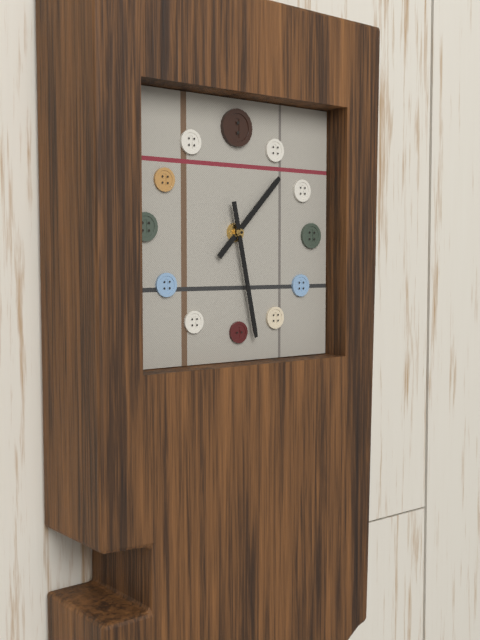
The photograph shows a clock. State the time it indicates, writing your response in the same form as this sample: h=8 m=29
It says h=1 m=28
